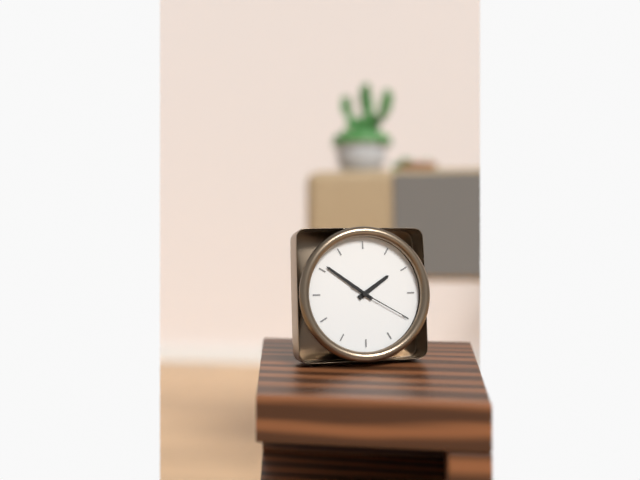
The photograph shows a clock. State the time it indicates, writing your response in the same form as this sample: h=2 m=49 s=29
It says h=1 m=51 s=20
